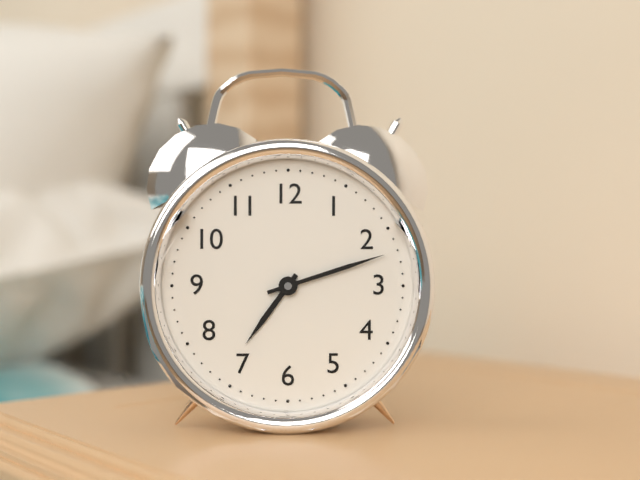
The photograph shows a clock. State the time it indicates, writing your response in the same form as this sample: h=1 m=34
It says h=7 m=12
